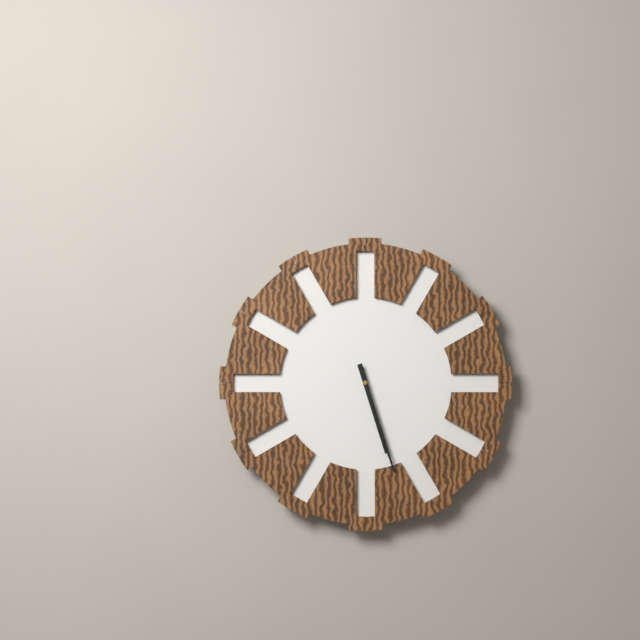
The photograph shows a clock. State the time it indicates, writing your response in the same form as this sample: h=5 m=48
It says h=5 m=27
